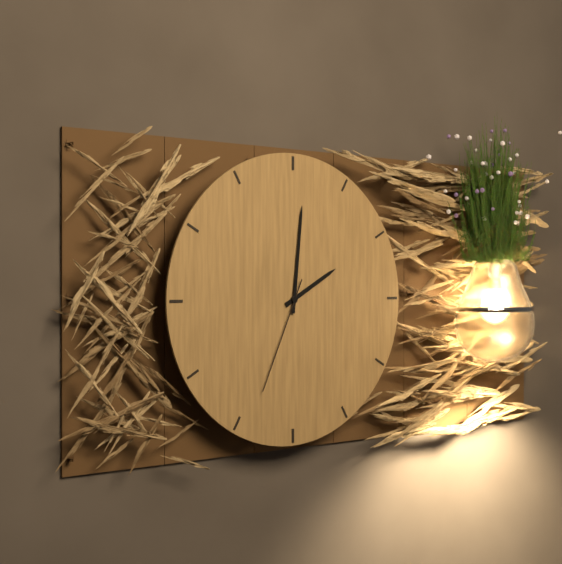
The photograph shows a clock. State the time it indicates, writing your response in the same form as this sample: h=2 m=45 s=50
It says h=2 m=1 s=34
